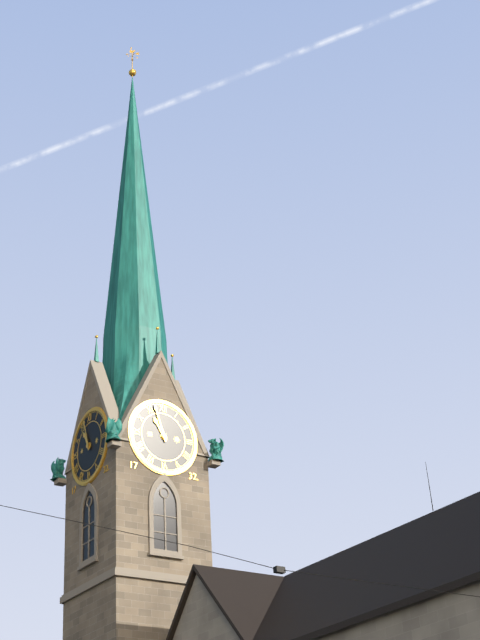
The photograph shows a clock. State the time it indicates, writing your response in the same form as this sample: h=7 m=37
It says h=10 m=57
